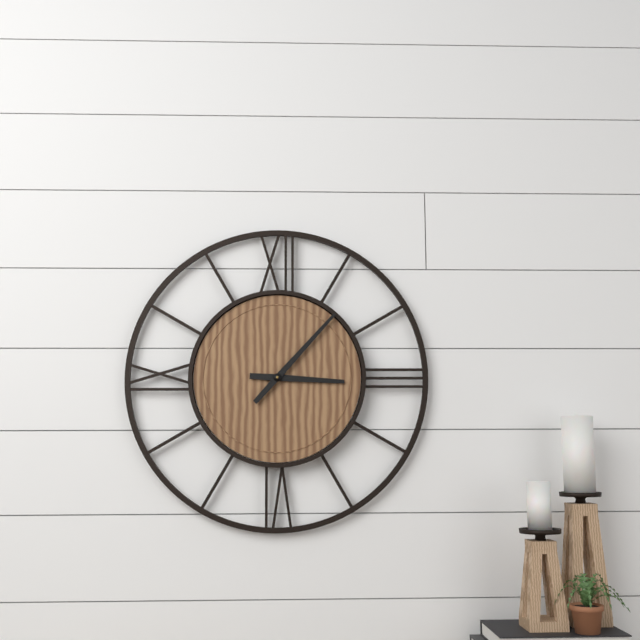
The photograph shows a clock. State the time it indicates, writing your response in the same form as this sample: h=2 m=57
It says h=3 m=7
